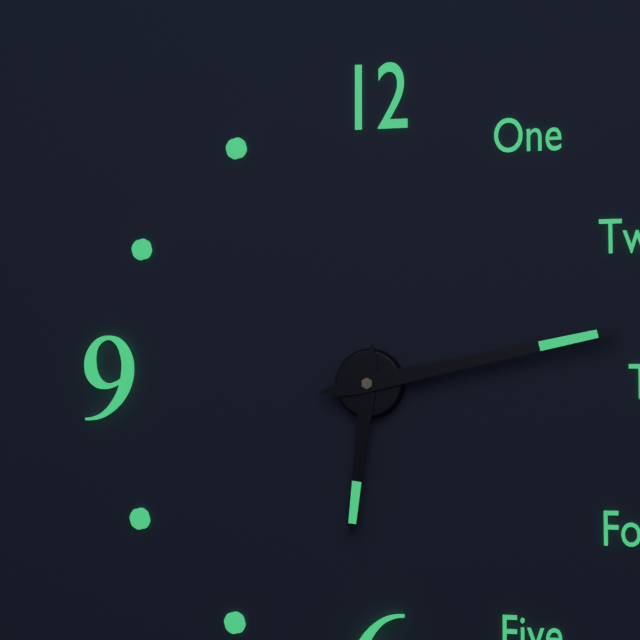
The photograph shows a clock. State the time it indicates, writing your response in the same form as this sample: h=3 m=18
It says h=6 m=13
